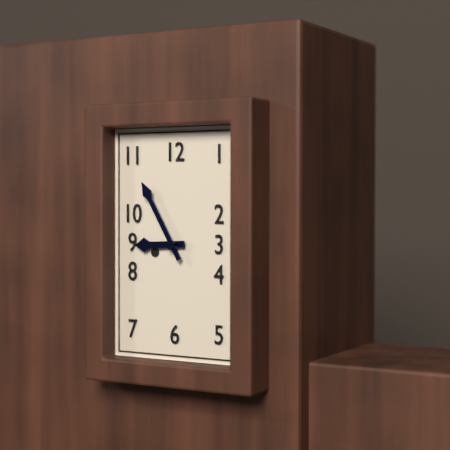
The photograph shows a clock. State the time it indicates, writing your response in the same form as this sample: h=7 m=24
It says h=8 m=55
